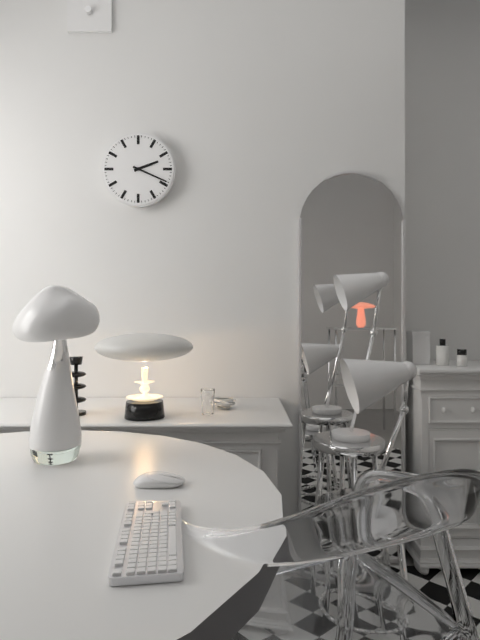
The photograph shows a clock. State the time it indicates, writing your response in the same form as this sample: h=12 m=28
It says h=2 m=19
